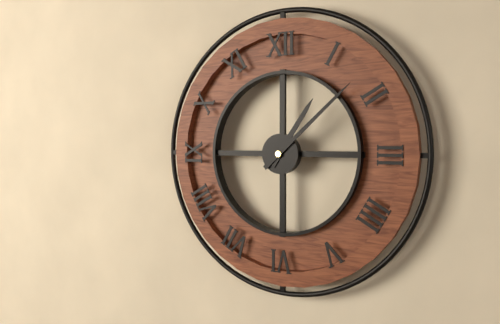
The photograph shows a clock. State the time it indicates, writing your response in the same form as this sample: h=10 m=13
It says h=1 m=8
